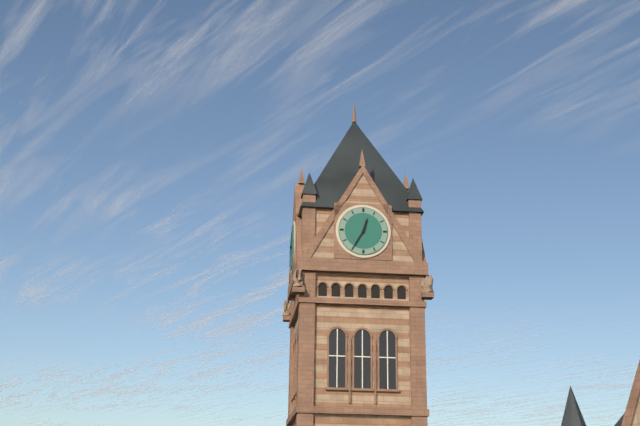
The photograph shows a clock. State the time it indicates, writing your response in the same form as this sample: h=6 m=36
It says h=12 m=35
